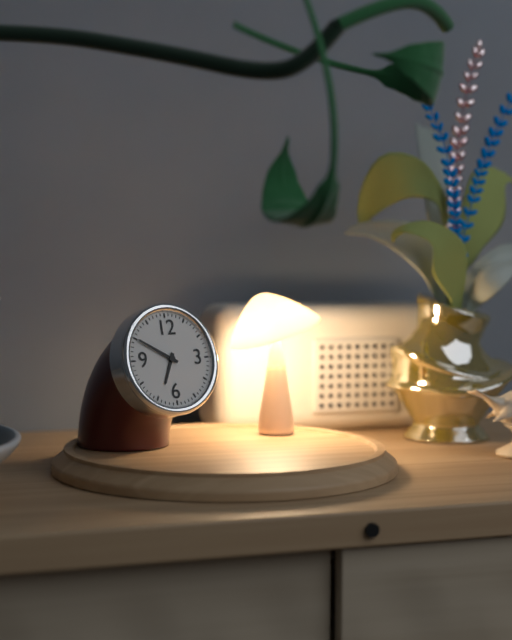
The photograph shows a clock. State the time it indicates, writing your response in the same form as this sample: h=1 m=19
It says h=6 m=50
